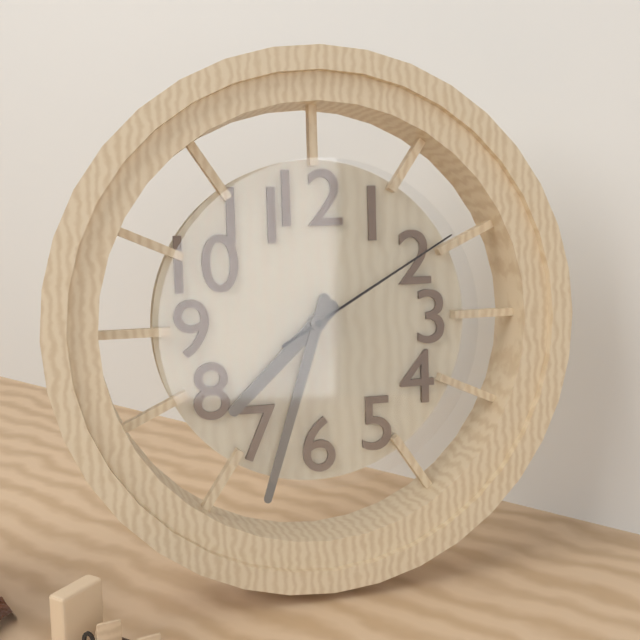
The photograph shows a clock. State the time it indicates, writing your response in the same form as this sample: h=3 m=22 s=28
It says h=7 m=33 s=10
